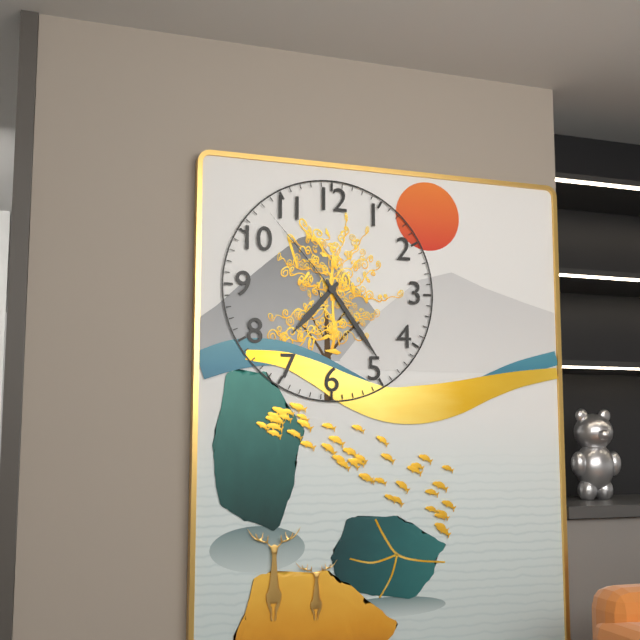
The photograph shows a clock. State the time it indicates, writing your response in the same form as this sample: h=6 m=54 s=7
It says h=7 m=24 s=53
